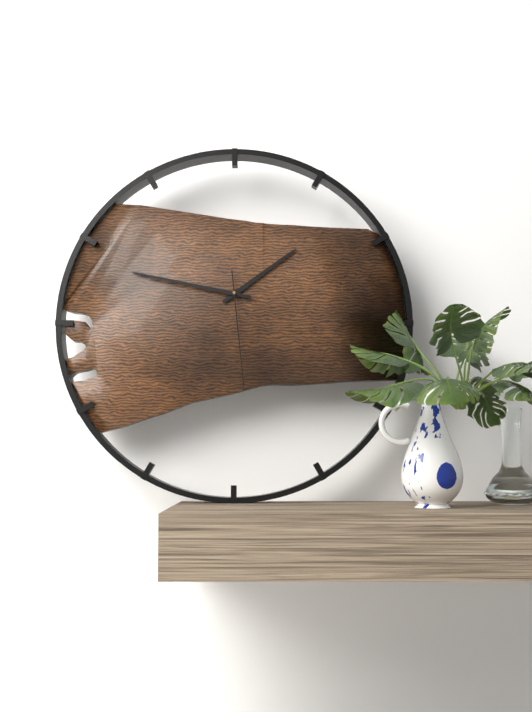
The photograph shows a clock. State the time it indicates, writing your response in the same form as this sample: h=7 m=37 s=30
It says h=1 m=47 s=29
